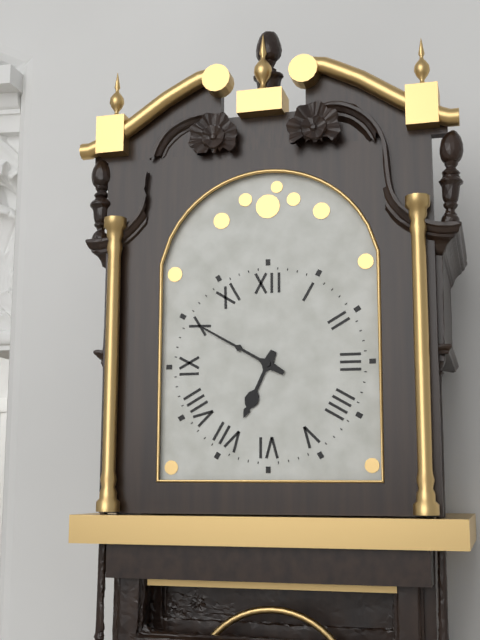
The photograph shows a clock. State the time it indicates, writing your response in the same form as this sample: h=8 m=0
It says h=6 m=50
